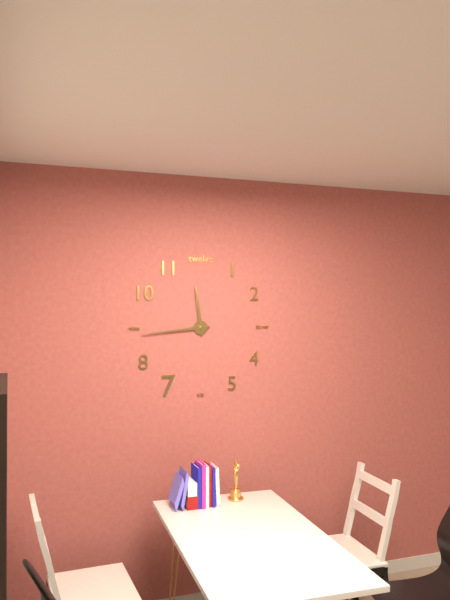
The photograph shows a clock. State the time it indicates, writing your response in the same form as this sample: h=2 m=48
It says h=11 m=44
